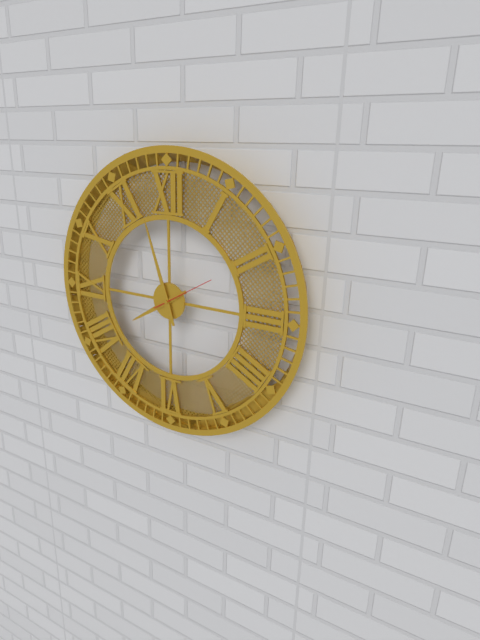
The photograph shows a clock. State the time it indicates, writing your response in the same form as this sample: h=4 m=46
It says h=7 m=57
